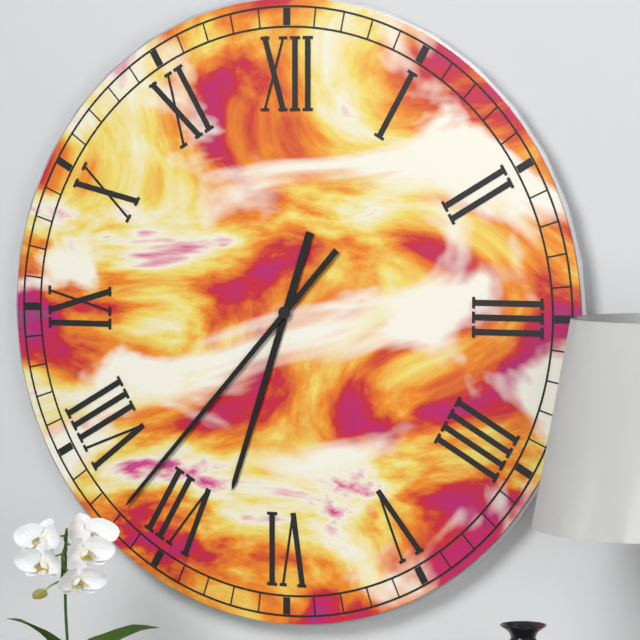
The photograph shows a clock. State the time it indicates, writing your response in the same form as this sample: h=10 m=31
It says h=6 m=37
